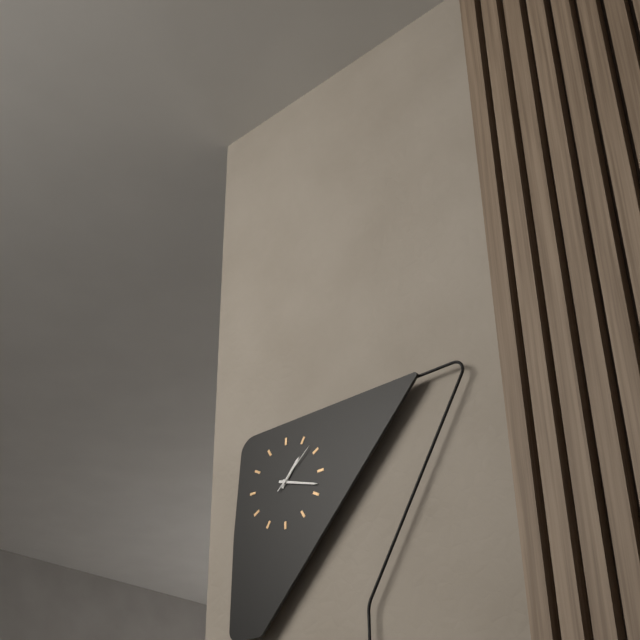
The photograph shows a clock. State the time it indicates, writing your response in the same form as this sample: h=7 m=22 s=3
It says h=1 m=18 s=8
